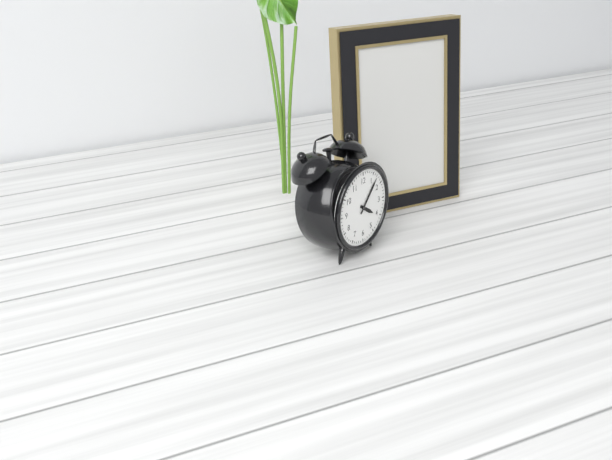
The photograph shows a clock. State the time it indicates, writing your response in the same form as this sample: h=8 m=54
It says h=4 m=7
